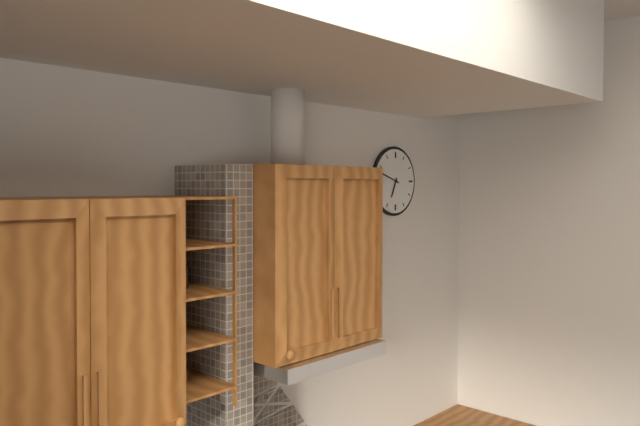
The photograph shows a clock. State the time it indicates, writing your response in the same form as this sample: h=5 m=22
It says h=6 m=48
